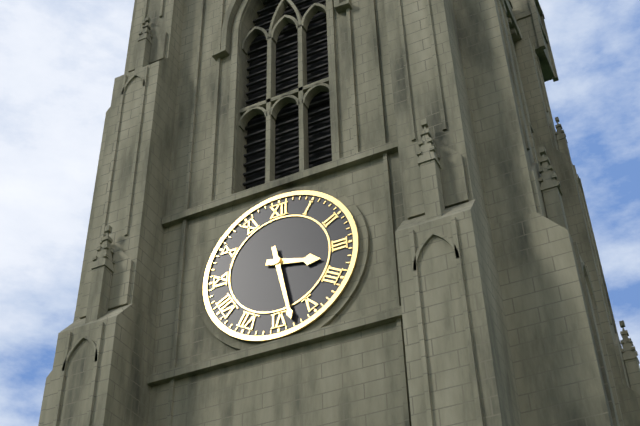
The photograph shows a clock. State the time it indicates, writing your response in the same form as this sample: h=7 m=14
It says h=3 m=28
